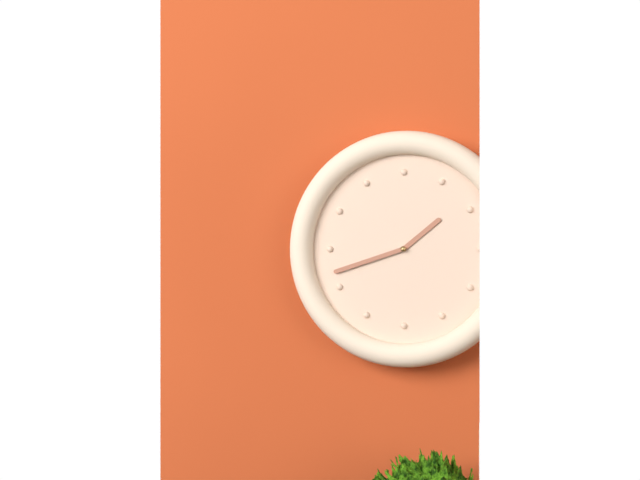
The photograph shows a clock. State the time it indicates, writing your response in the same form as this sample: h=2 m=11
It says h=1 m=42
